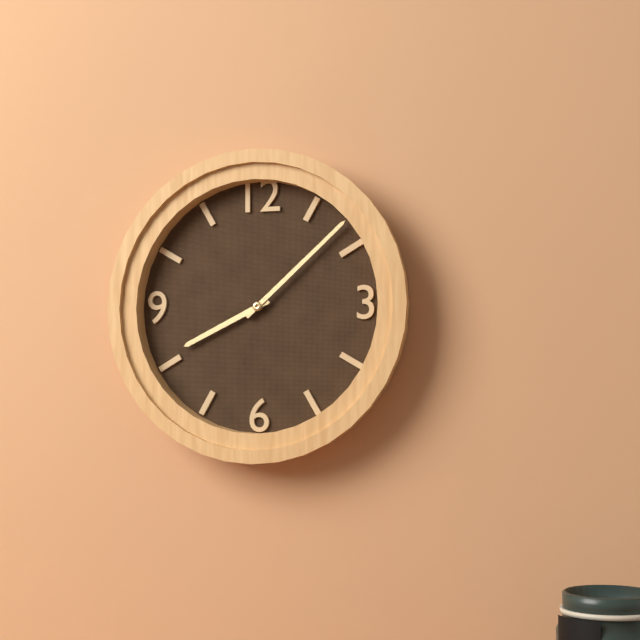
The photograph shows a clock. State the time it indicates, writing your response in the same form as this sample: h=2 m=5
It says h=8 m=8
